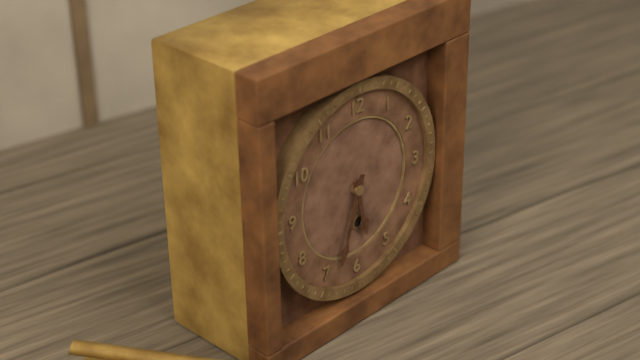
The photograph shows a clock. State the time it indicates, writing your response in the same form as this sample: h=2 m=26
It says h=5 m=33
